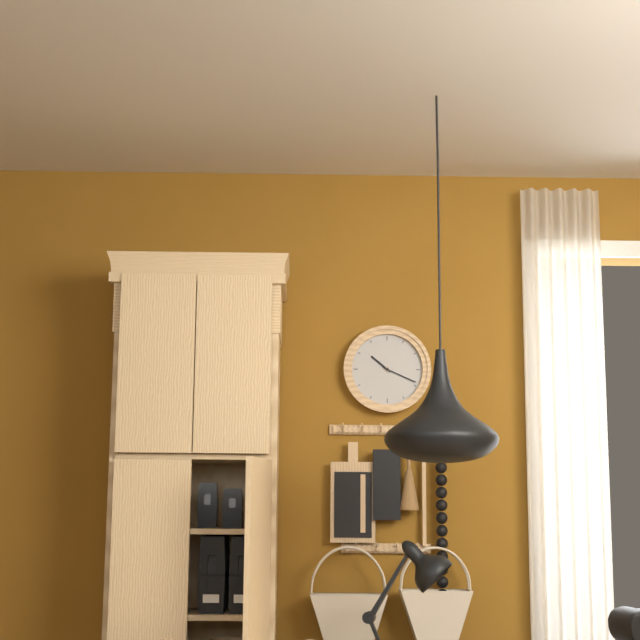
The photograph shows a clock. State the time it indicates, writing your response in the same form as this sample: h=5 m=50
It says h=10 m=19
